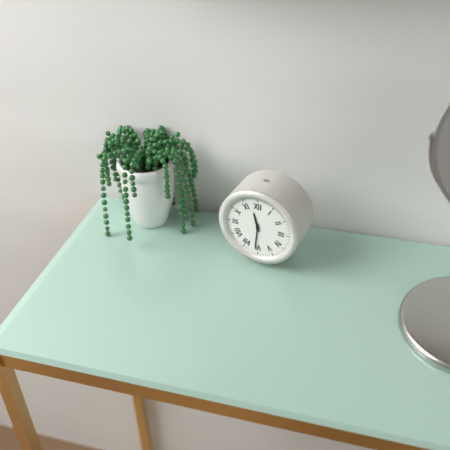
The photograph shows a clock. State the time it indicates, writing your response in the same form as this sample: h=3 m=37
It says h=11 m=31
